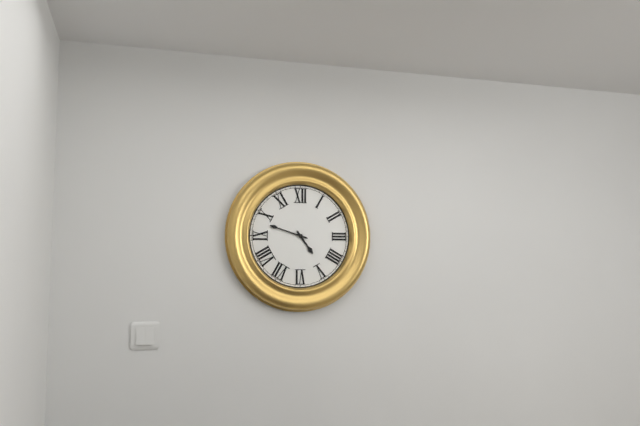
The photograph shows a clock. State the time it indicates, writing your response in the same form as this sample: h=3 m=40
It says h=4 m=48
